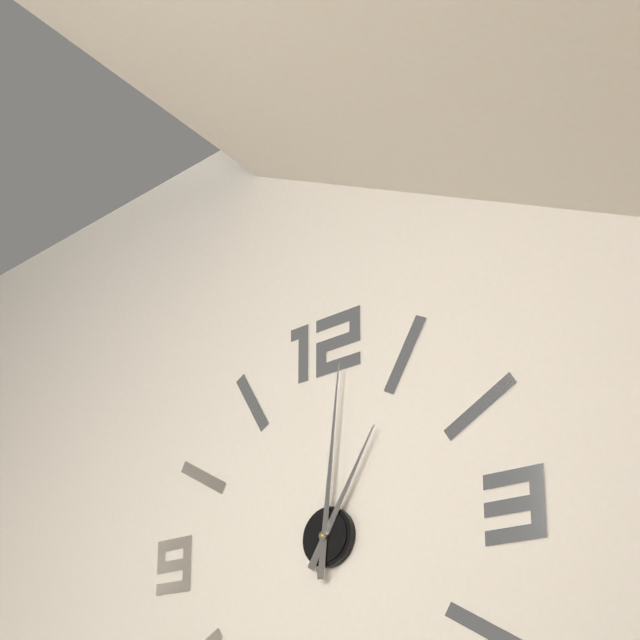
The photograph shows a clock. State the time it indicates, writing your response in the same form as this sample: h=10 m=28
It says h=1 m=1
